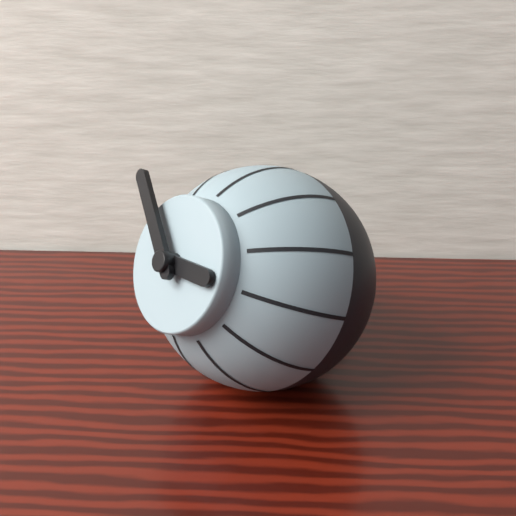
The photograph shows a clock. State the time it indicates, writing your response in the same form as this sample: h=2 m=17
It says h=2 m=52
